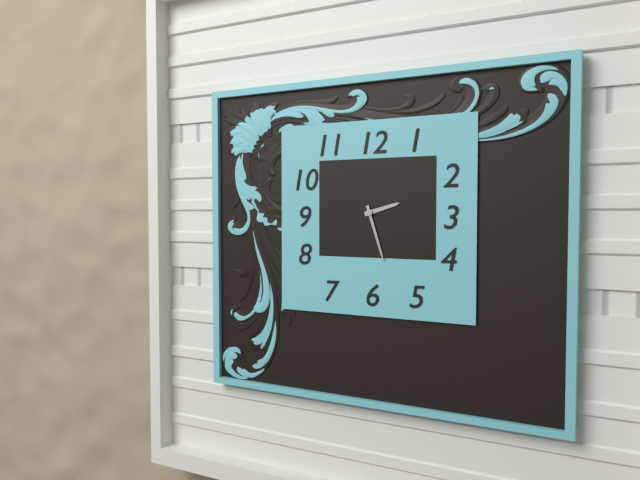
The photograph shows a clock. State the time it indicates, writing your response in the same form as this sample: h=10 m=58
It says h=2 m=27
